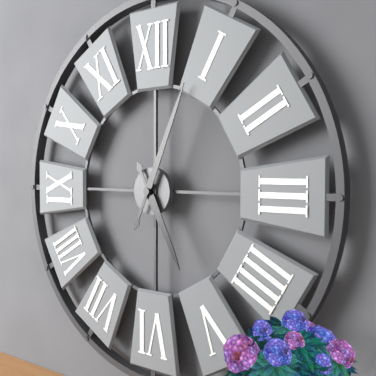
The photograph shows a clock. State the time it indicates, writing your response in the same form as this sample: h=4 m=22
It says h=5 m=4
